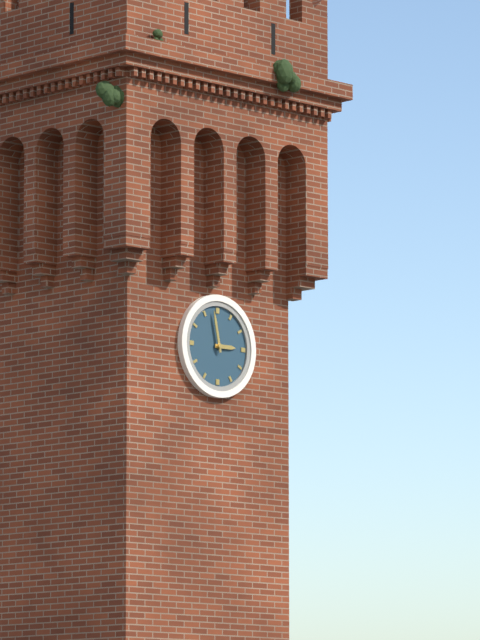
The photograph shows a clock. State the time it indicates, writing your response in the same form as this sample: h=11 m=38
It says h=2 m=58
